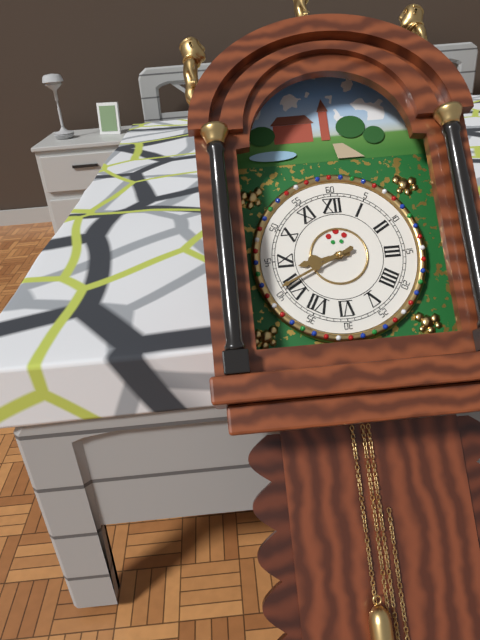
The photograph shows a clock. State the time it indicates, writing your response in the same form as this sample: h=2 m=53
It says h=8 m=41
